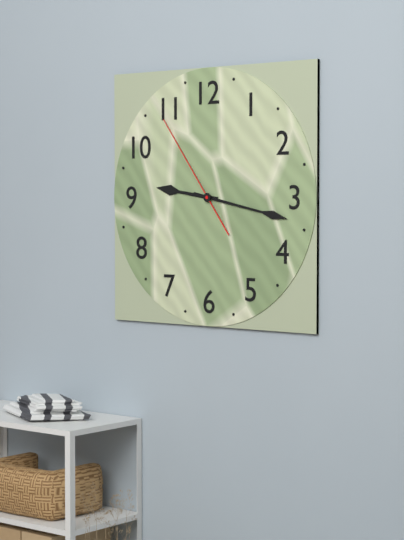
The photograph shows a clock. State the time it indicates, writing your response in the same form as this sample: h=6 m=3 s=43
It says h=9 m=17 s=54
